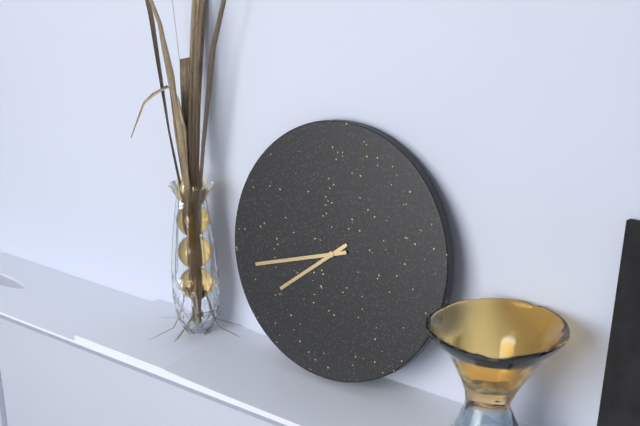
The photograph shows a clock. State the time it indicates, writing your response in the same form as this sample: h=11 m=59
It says h=7 m=42
